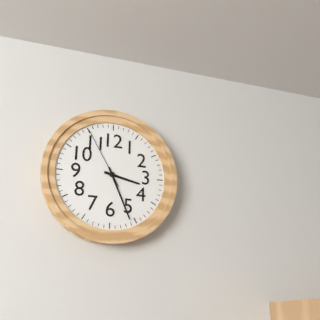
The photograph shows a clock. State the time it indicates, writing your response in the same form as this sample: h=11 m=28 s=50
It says h=3 m=26 s=55
